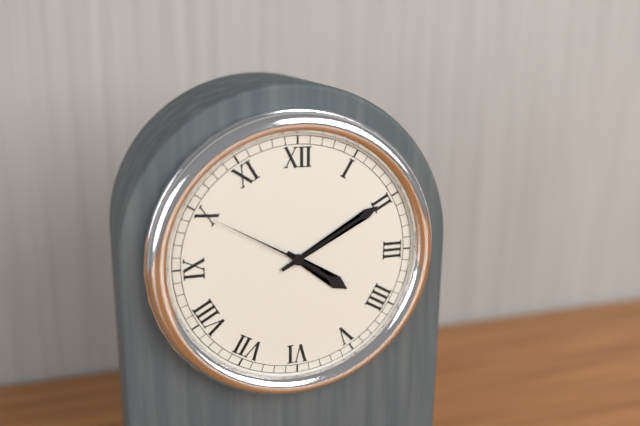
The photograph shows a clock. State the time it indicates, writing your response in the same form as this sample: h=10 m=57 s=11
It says h=4 m=10 s=50
